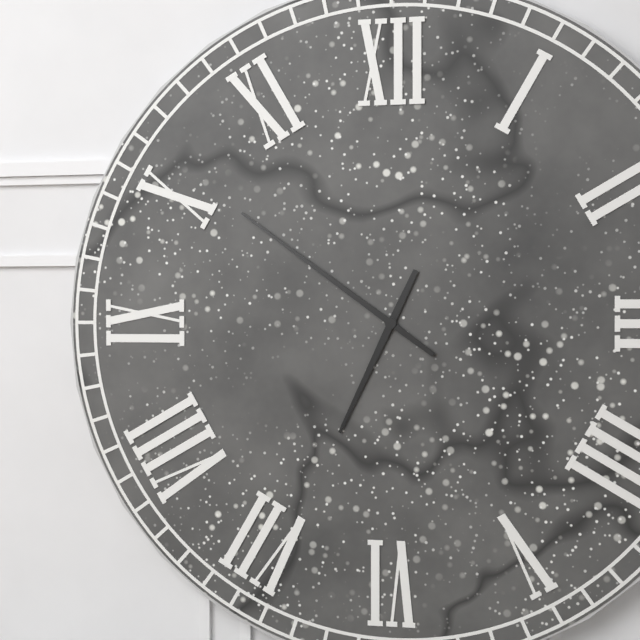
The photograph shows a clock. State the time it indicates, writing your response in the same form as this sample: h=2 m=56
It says h=6 m=51
